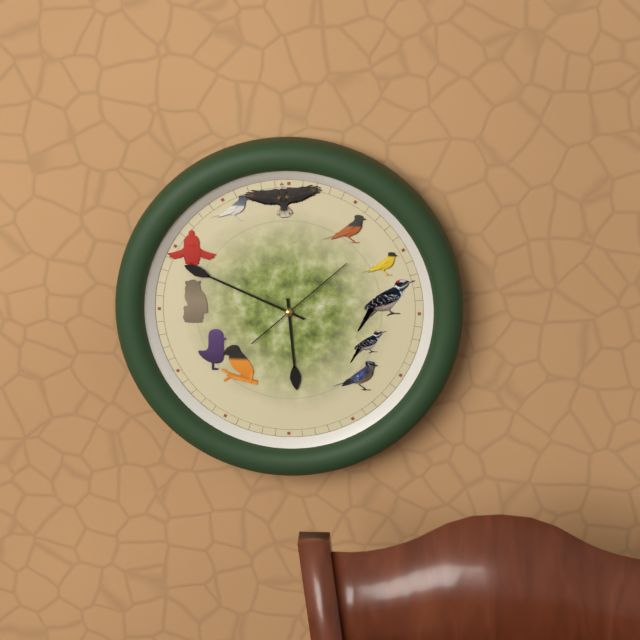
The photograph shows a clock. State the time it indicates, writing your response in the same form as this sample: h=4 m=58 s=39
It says h=5 m=49 s=8
